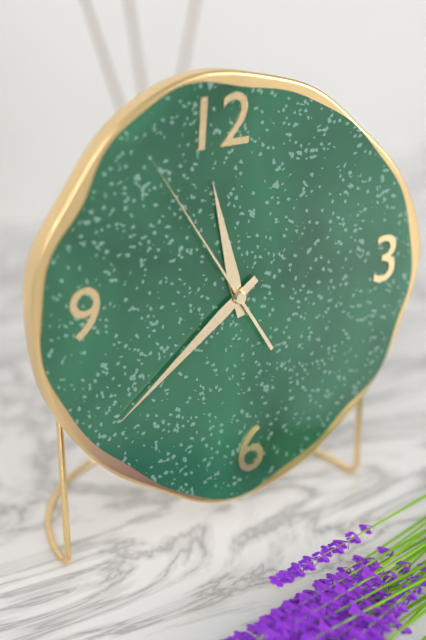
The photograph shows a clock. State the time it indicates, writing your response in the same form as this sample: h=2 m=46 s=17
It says h=11 m=39 s=55
